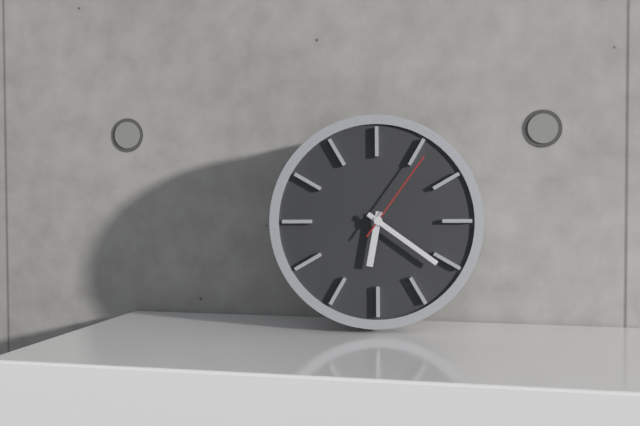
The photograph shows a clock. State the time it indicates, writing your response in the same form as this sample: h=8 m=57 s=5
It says h=6 m=21 s=6
